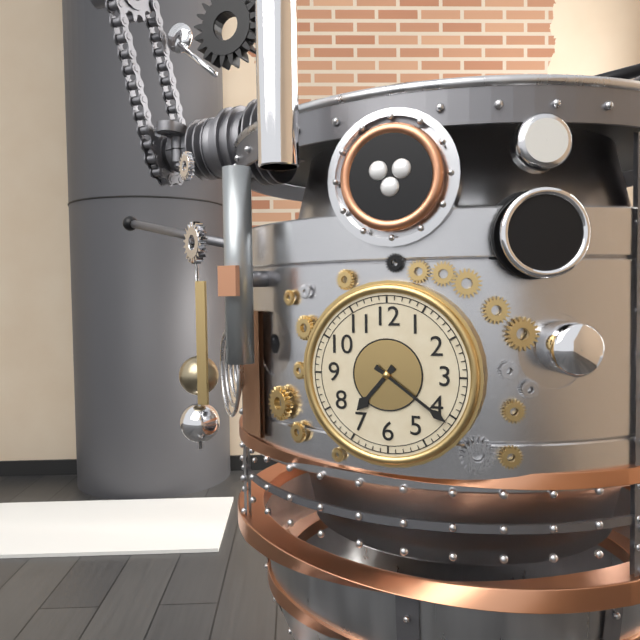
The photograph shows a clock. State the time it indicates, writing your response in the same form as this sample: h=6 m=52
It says h=7 m=21
